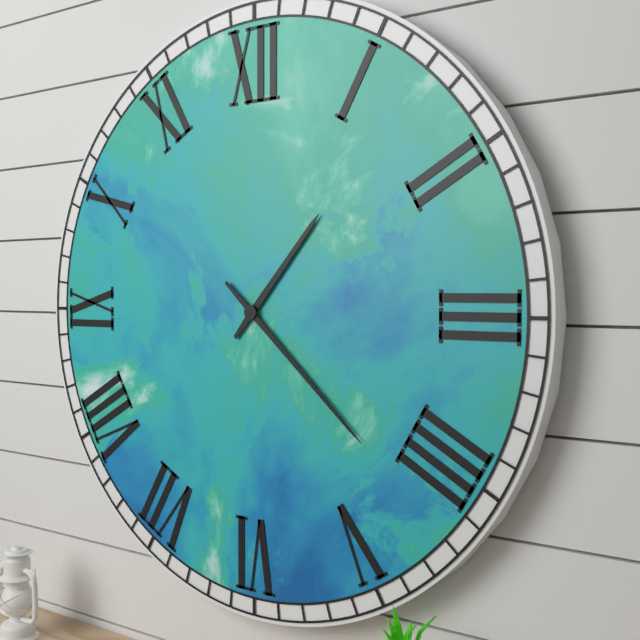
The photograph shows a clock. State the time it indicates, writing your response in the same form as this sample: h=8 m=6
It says h=1 m=22
